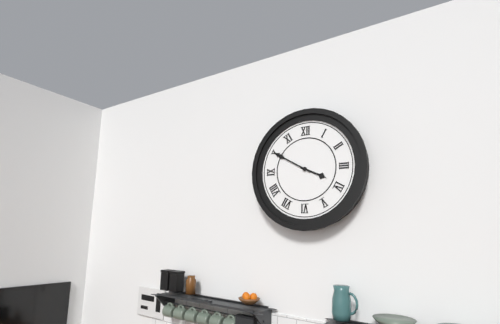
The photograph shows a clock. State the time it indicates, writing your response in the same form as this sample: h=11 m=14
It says h=3 m=50
